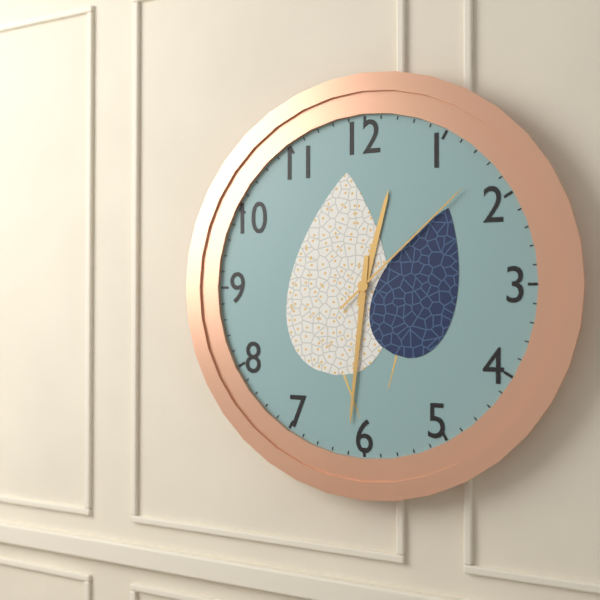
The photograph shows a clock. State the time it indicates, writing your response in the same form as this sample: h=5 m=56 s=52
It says h=12 m=31 s=8
